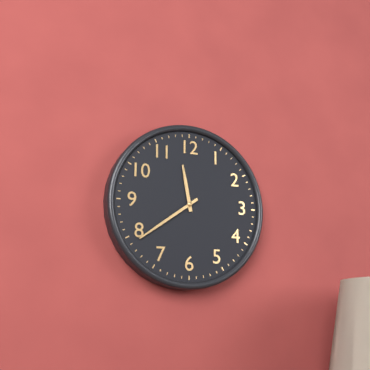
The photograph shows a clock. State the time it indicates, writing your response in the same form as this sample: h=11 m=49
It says h=11 m=39
